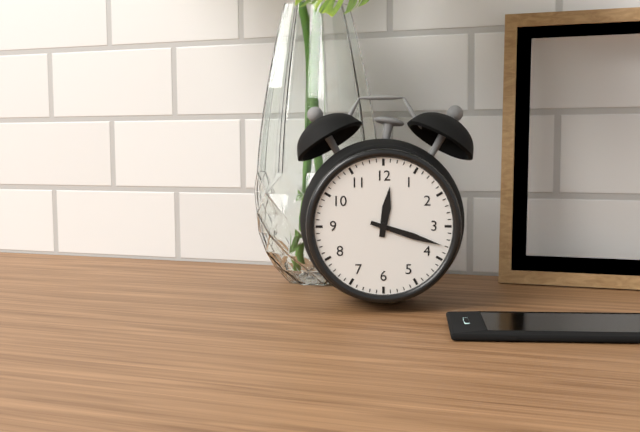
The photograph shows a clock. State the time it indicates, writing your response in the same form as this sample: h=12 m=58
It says h=12 m=18
